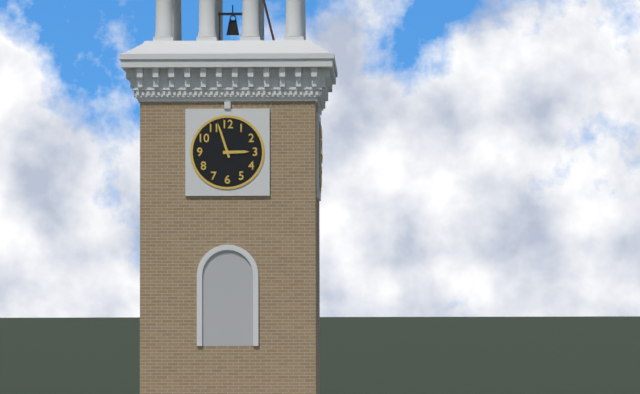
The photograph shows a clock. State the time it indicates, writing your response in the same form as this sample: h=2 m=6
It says h=2 m=57
